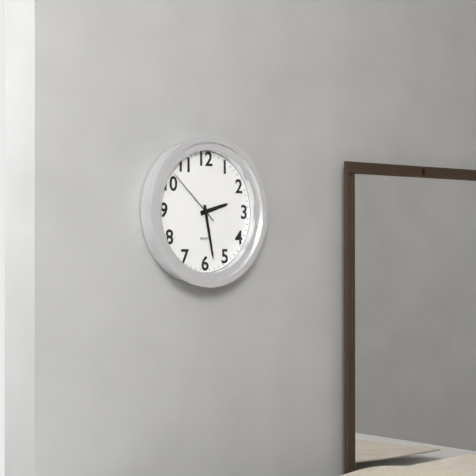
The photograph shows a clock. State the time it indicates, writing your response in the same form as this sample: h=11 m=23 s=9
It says h=2 m=28 s=52
